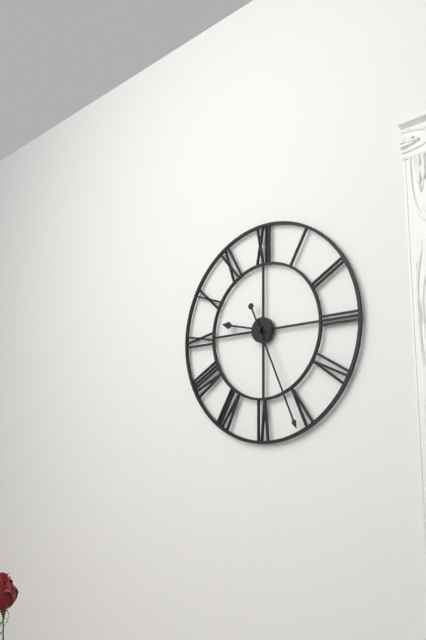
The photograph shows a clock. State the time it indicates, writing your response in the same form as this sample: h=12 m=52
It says h=9 m=26
